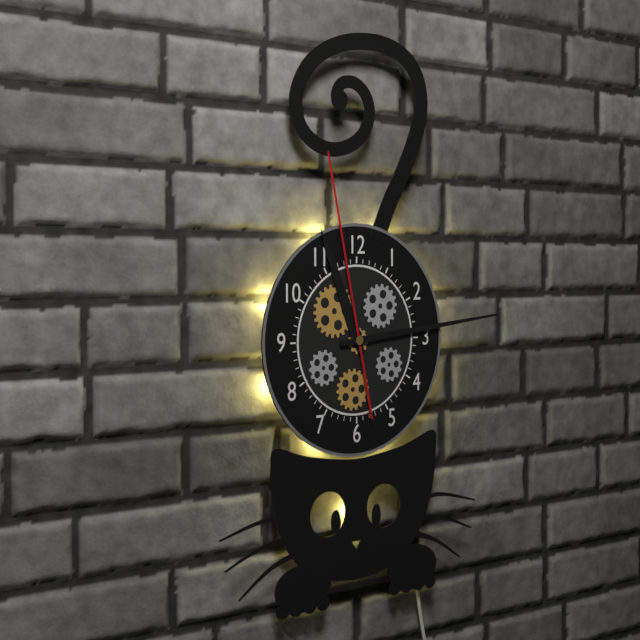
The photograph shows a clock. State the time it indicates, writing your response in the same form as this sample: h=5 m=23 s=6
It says h=11 m=14 s=58
